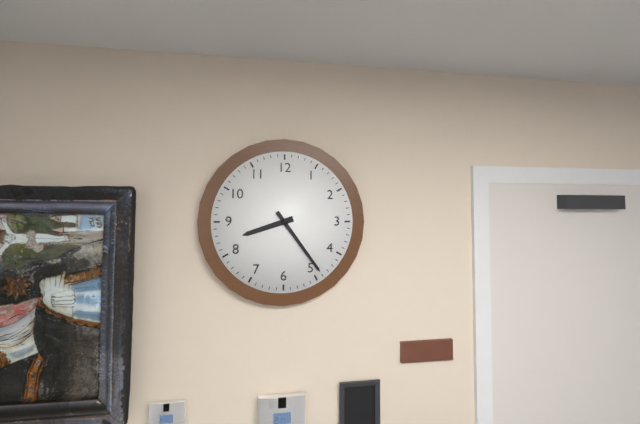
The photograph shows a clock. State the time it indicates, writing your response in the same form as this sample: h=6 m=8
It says h=8 m=24
